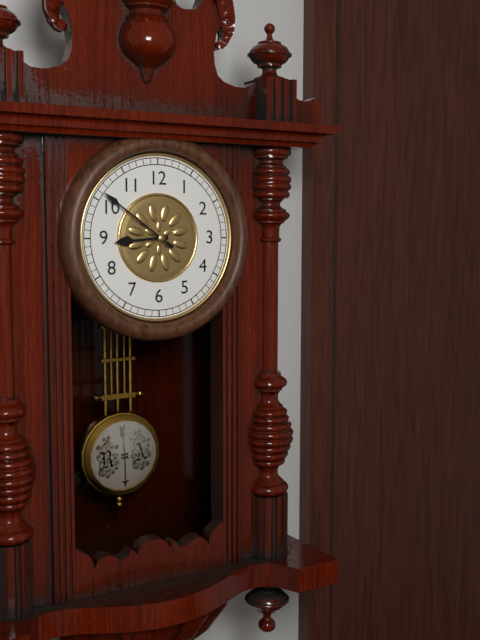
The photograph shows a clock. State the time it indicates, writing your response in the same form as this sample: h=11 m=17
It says h=8 m=51
